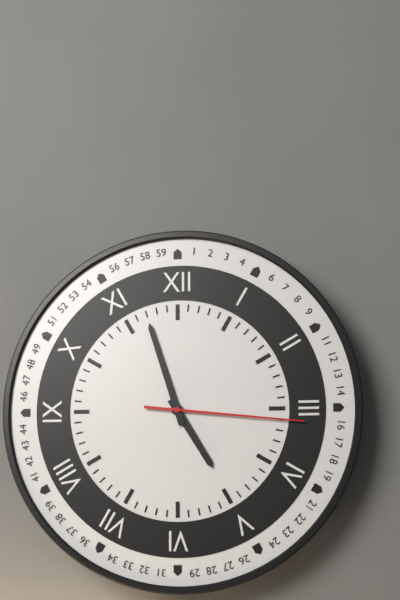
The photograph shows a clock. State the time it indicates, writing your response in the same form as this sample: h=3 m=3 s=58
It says h=4 m=57 s=16
